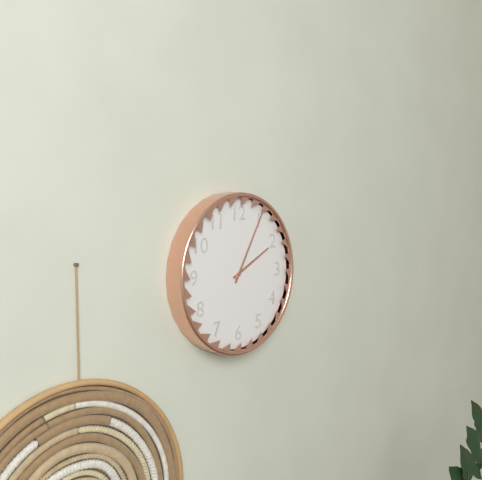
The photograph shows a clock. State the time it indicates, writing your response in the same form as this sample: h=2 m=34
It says h=2 m=5
